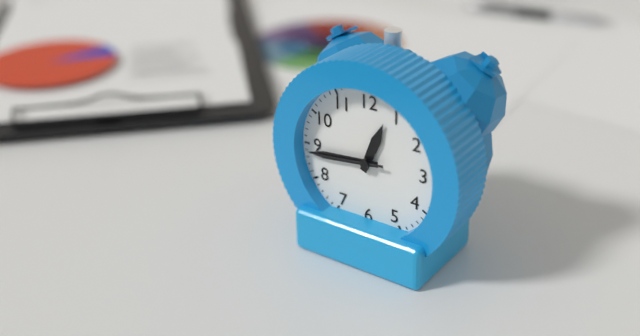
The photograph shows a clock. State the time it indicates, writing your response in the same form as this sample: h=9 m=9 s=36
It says h=12 m=44 s=44
